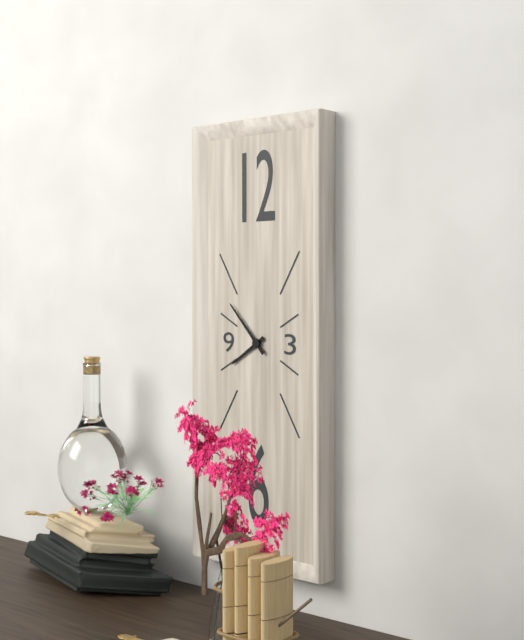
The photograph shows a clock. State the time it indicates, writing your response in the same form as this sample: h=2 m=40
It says h=7 m=53
